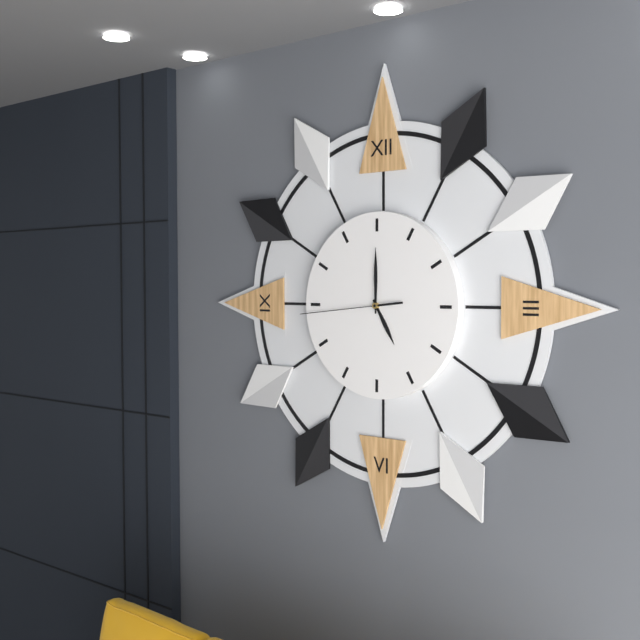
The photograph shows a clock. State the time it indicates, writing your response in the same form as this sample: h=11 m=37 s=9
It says h=5 m=0 s=44
